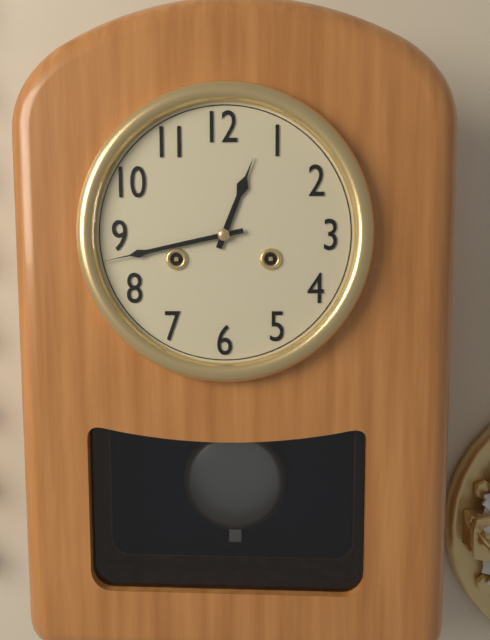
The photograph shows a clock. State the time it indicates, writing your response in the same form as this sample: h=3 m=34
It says h=12 m=43
